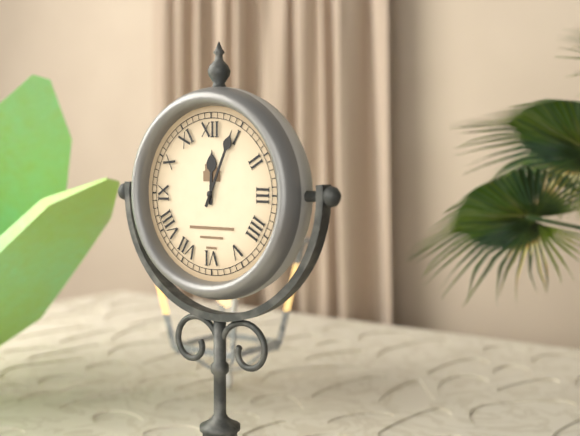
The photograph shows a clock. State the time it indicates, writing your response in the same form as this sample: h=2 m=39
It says h=12 m=4
